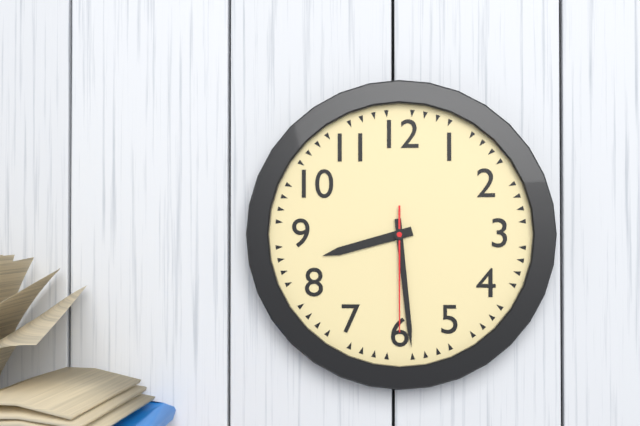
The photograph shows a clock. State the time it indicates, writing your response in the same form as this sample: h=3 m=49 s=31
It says h=8 m=29 s=30
